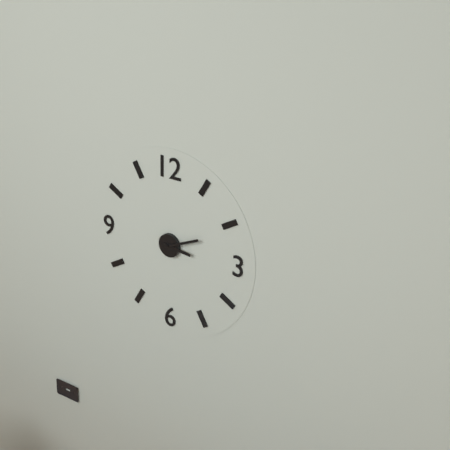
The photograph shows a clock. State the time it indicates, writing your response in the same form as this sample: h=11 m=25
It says h=3 m=11
